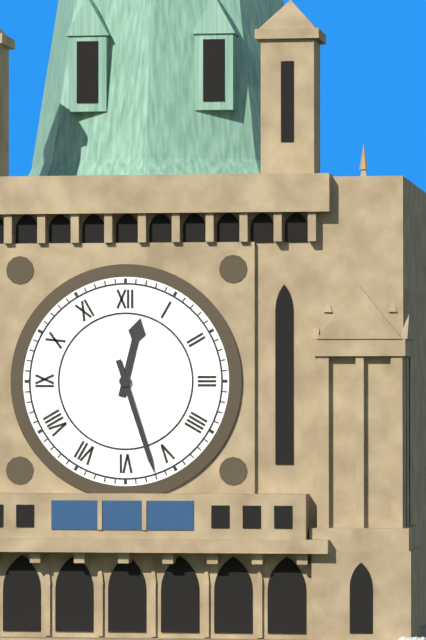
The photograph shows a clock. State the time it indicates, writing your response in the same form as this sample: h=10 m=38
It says h=12 m=27
